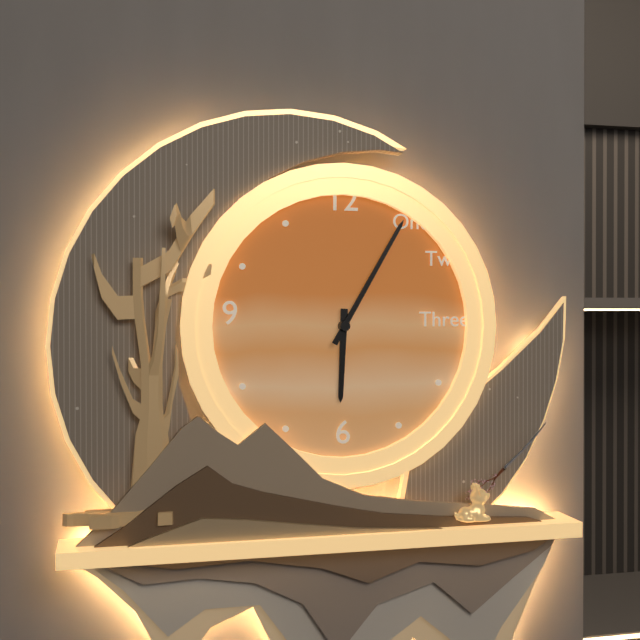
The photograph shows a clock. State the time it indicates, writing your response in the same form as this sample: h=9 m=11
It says h=6 m=5
